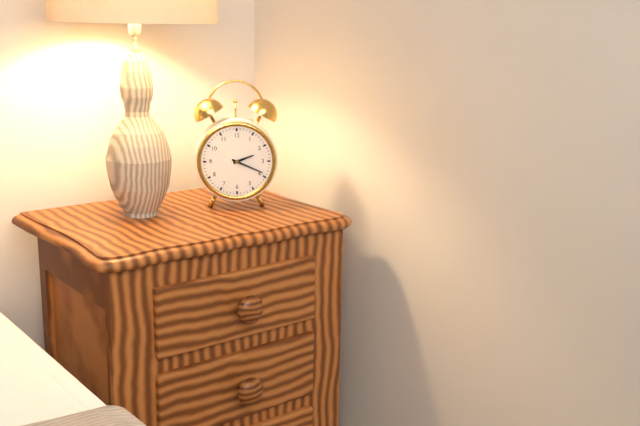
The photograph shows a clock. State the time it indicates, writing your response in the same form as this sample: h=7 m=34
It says h=2 m=19
